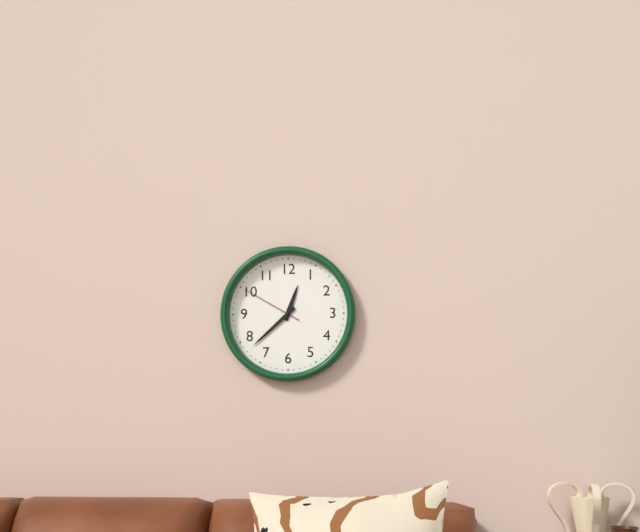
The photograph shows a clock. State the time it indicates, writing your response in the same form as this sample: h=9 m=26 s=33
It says h=12 m=38 s=50
